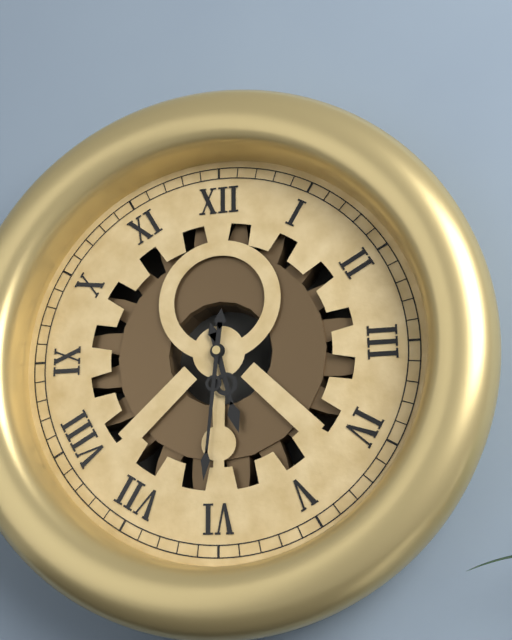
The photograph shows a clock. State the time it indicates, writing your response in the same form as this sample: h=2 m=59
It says h=5 m=31
